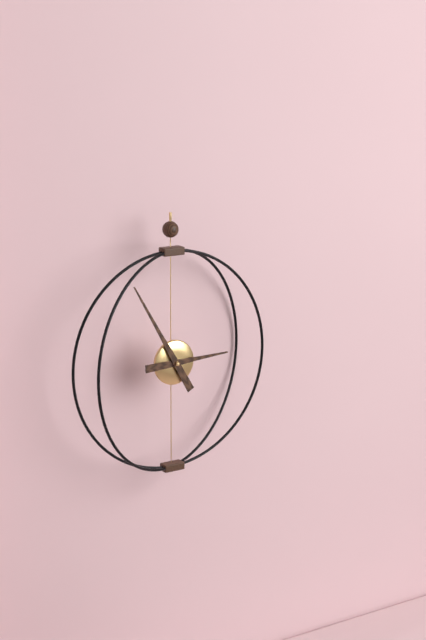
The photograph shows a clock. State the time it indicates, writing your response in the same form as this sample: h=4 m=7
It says h=2 m=55
